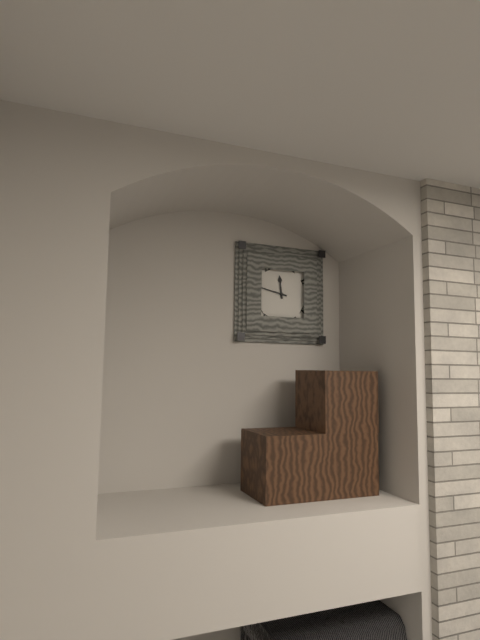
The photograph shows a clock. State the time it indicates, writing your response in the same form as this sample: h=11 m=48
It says h=11 m=47
